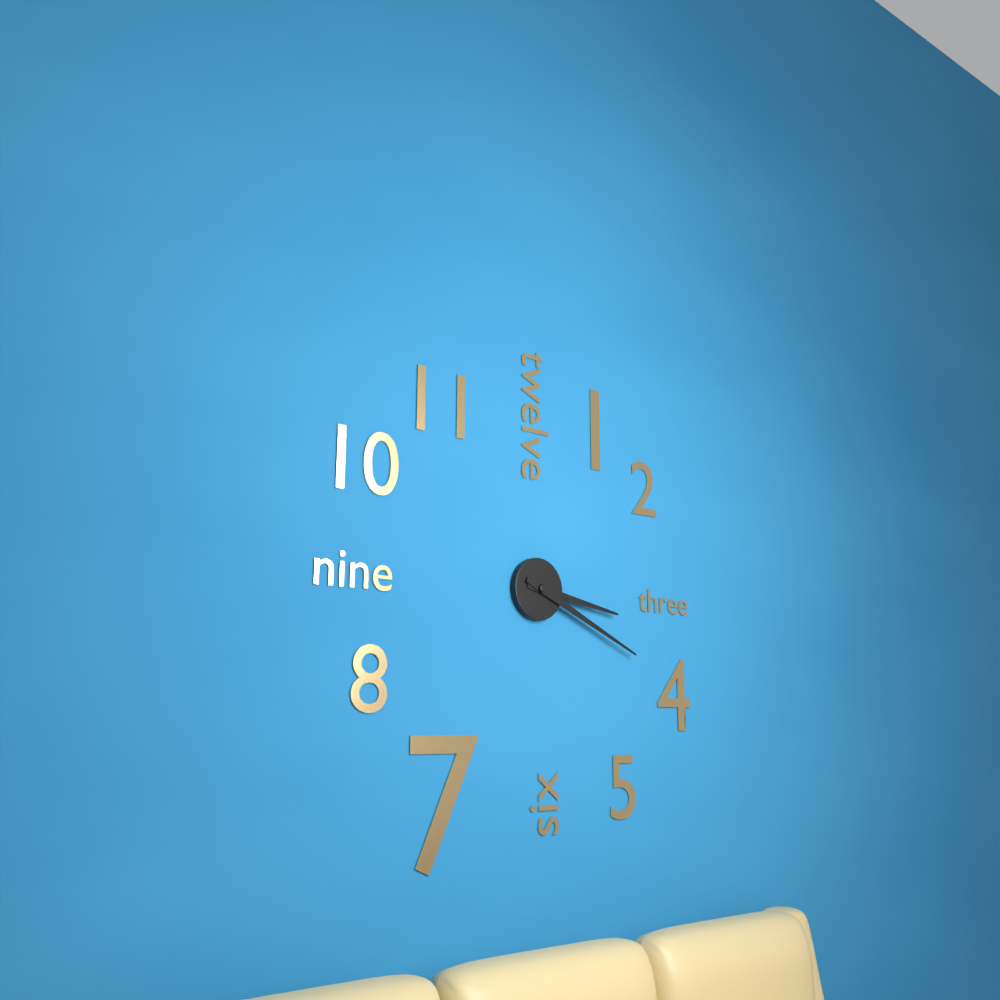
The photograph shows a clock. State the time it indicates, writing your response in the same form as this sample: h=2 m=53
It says h=3 m=19
